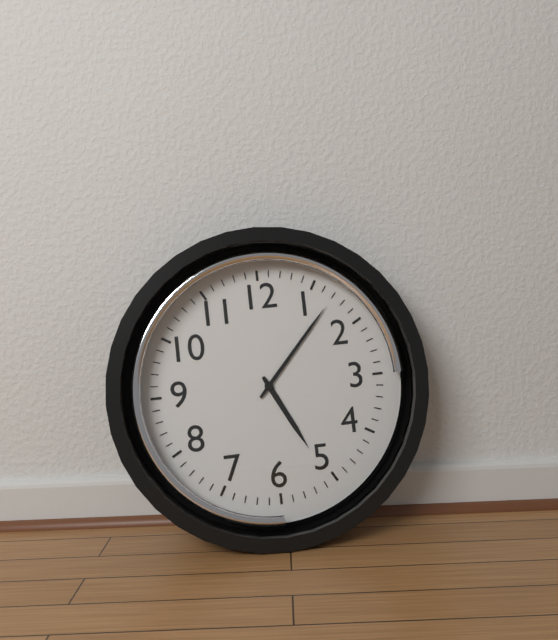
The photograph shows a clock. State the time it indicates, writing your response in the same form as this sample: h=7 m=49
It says h=5 m=7
